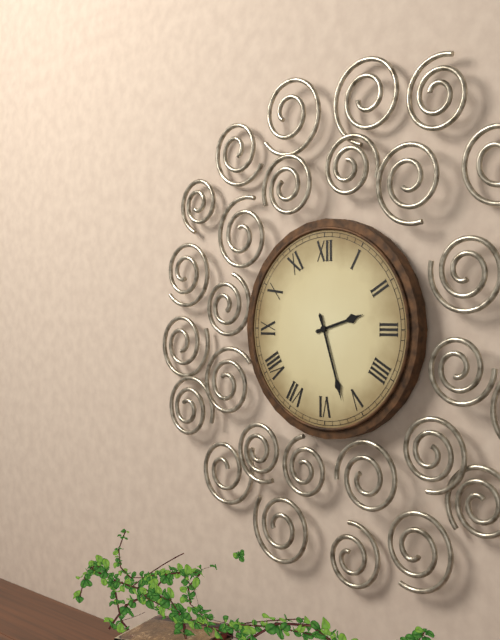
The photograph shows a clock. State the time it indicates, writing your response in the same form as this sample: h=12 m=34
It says h=2 m=27
